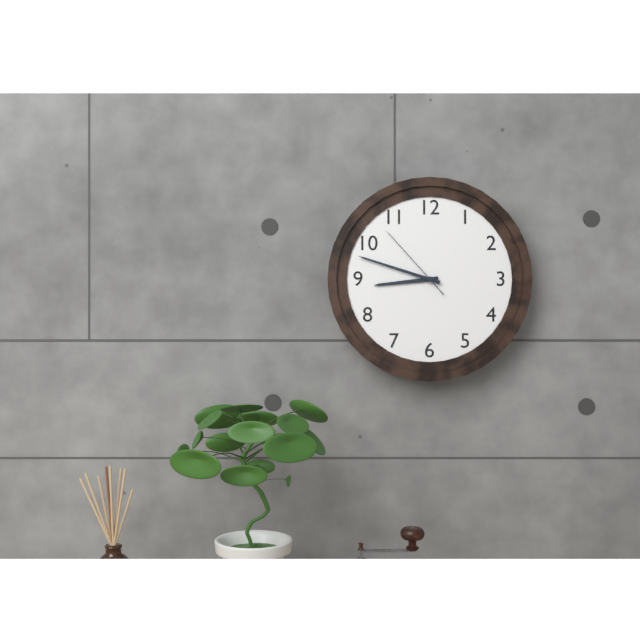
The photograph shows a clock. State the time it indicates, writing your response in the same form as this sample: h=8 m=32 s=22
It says h=8 m=48 s=53
